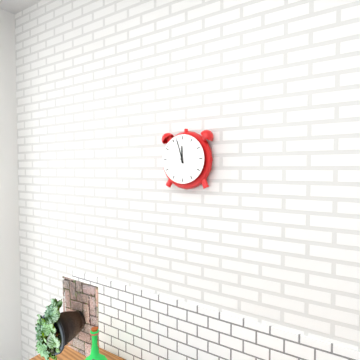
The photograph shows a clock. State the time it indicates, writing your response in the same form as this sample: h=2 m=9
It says h=11 m=57
